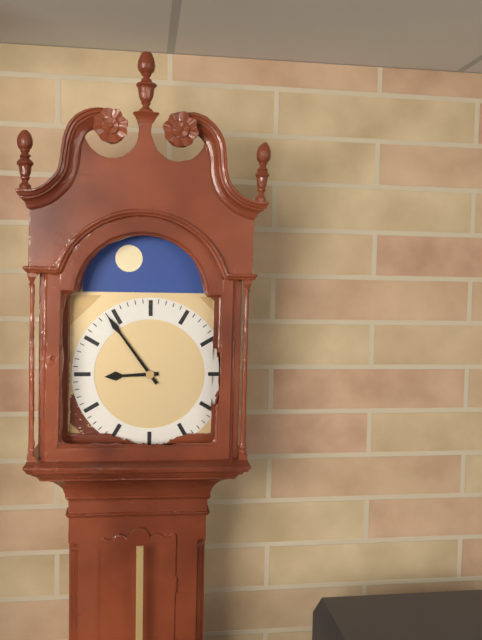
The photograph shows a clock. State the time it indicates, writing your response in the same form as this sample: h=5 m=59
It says h=8 m=54
